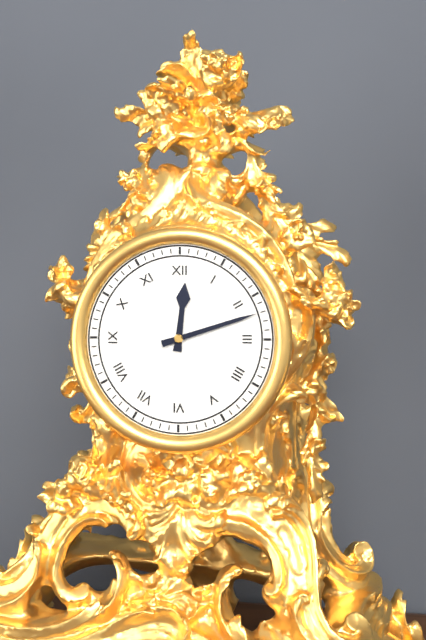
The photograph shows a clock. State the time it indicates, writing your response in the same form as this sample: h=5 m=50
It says h=12 m=12
